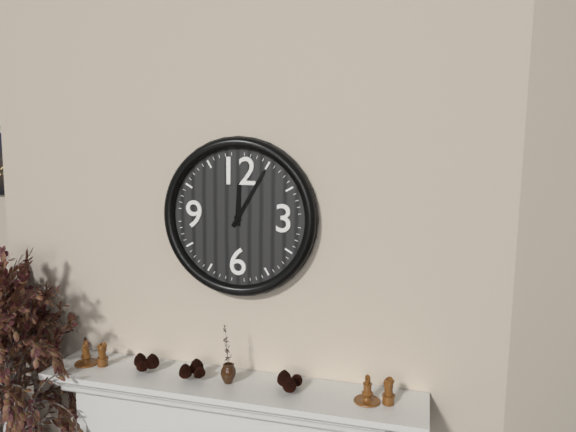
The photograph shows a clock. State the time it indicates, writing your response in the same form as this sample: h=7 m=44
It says h=12 m=5
